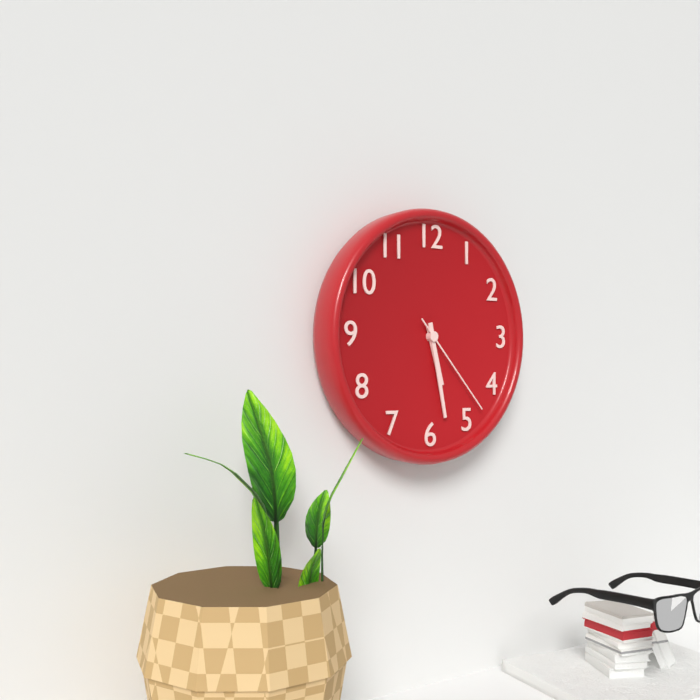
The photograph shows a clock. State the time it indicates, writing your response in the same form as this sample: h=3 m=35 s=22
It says h=5 m=28 s=23
